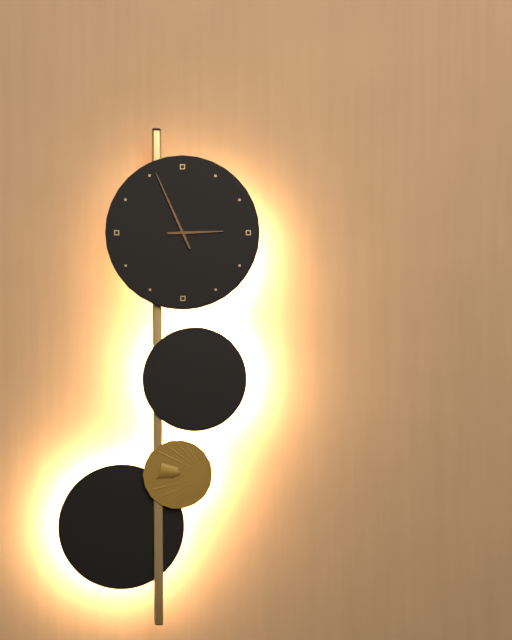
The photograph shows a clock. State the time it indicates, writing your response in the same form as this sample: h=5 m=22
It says h=2 m=56
